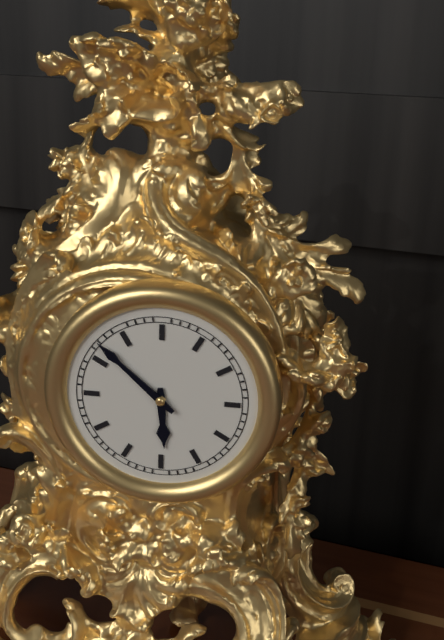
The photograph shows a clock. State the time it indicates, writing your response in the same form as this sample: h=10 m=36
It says h=5 m=52
